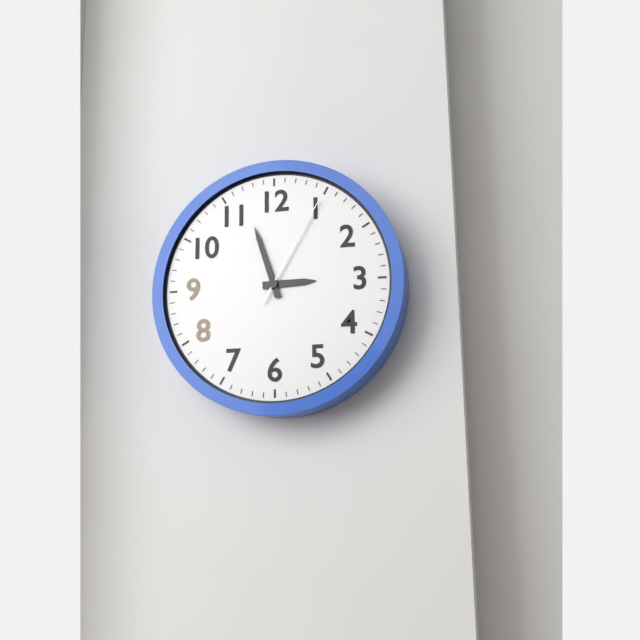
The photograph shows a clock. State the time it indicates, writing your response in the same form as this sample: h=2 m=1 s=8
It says h=2 m=57 s=5
